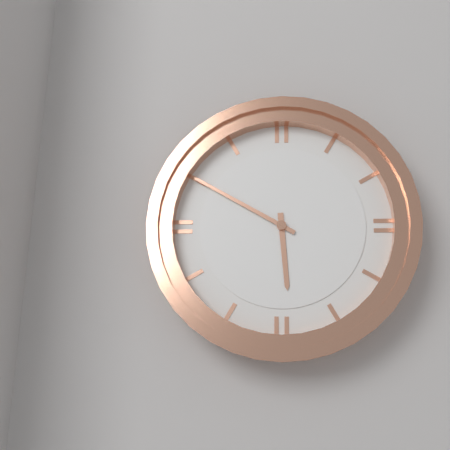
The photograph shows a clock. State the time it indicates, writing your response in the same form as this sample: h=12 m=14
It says h=5 m=50
